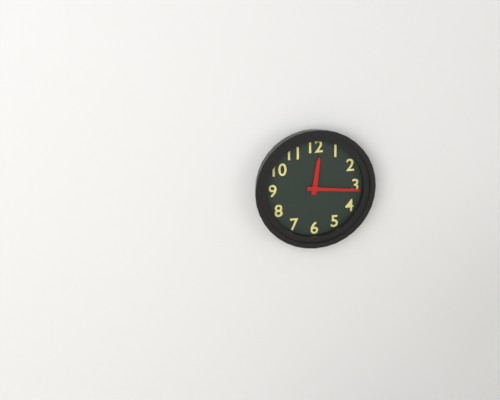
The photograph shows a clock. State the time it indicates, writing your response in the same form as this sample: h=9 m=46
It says h=12 m=16
